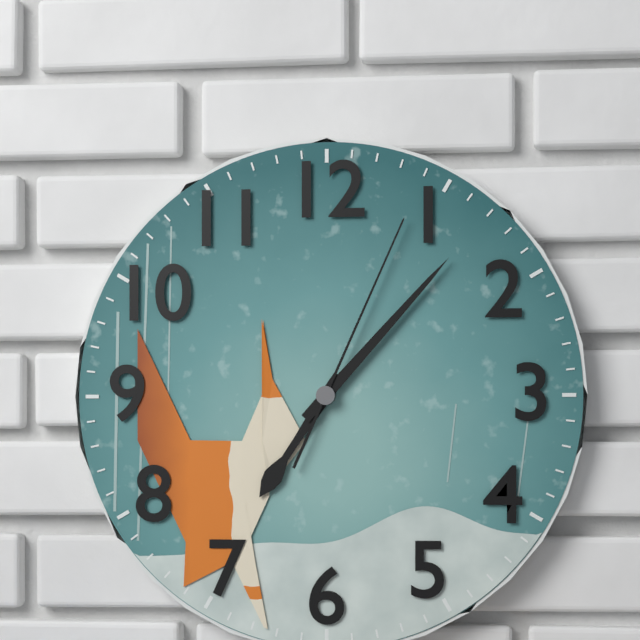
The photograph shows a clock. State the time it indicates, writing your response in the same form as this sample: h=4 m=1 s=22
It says h=7 m=7 s=4
